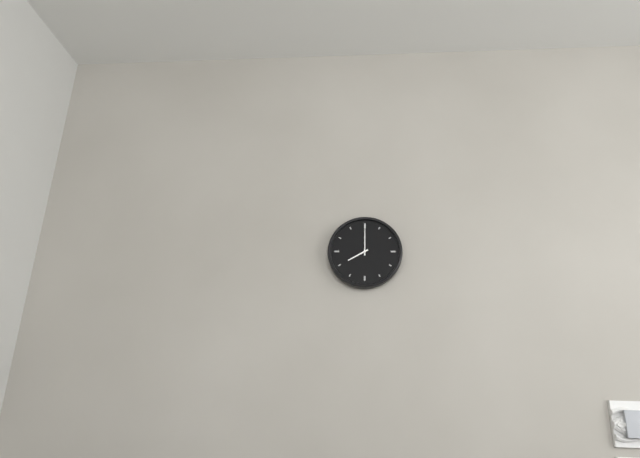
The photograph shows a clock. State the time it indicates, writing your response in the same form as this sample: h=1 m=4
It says h=8 m=0
